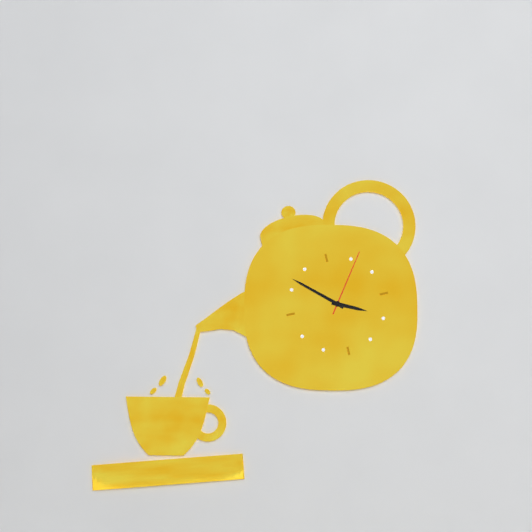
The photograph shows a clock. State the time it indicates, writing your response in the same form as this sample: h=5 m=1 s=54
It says h=3 m=52 s=6
